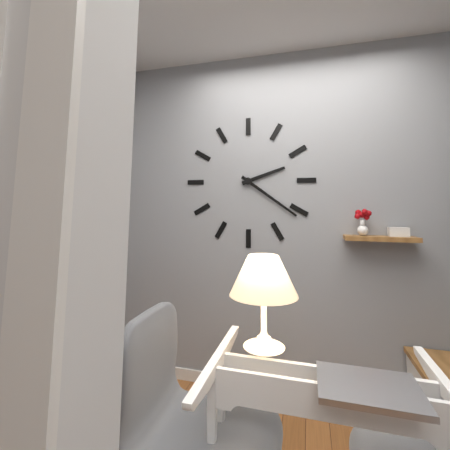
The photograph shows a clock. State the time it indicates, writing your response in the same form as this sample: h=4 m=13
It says h=2 m=21
